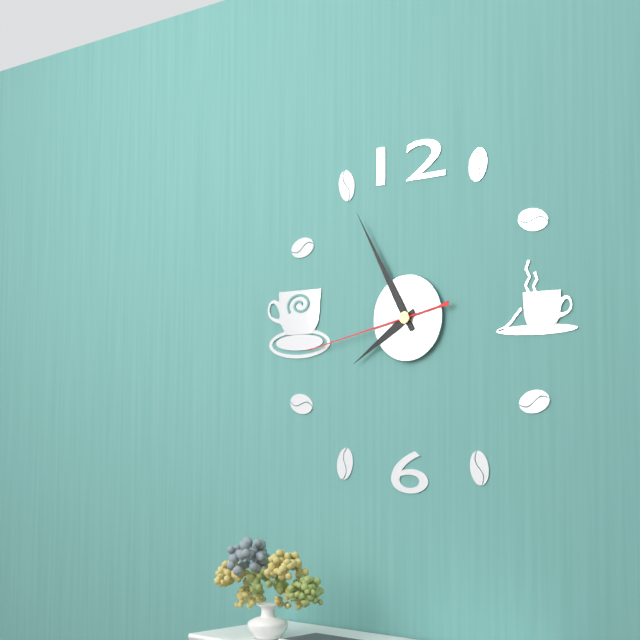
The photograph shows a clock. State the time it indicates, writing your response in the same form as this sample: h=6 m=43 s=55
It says h=7 m=55 s=43
